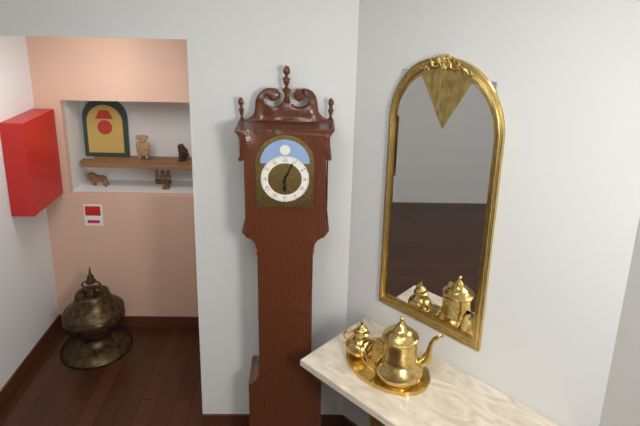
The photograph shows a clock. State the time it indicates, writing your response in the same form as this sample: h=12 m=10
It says h=6 m=4
